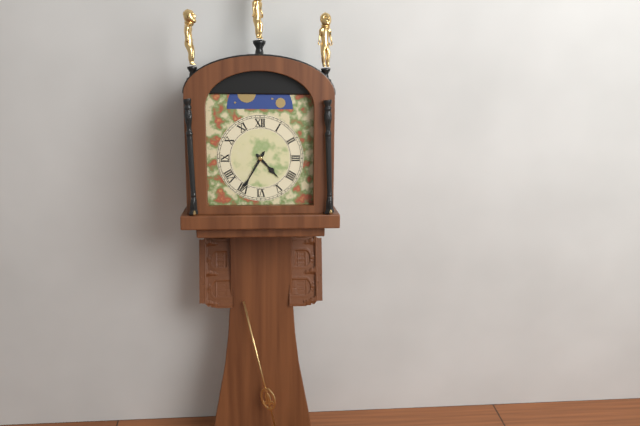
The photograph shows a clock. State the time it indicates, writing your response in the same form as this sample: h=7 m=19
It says h=4 m=35
